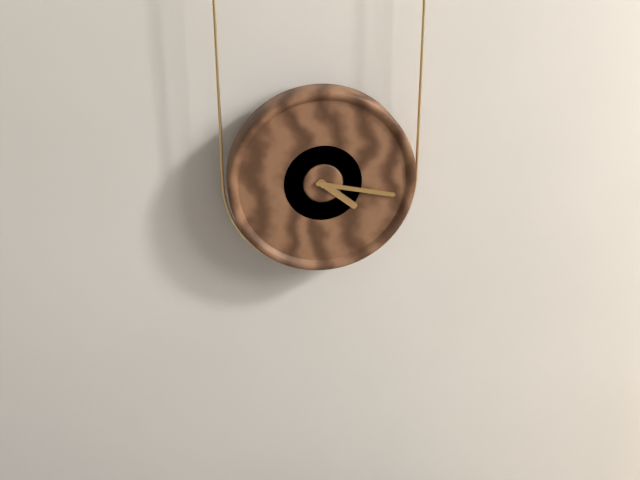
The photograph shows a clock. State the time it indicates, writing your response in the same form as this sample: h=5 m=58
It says h=4 m=17
